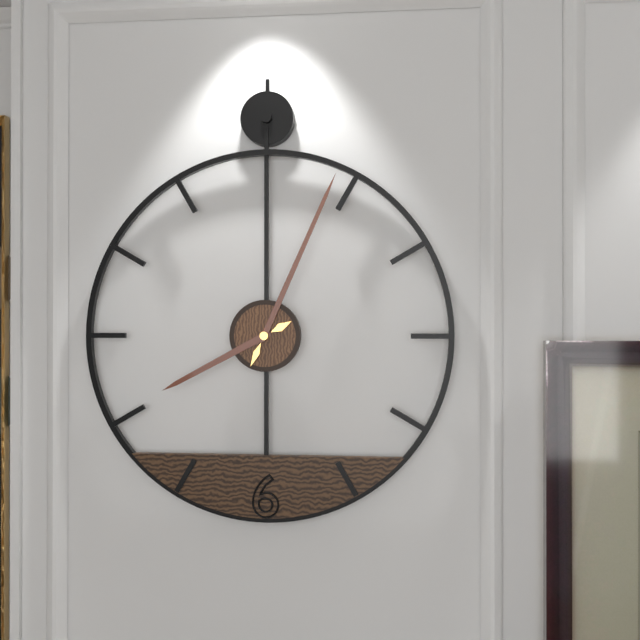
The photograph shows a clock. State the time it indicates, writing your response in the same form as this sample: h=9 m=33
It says h=8 m=4
